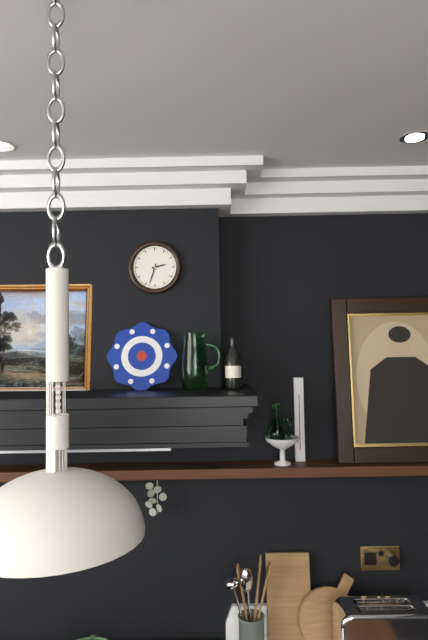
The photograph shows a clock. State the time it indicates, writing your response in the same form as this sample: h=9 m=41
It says h=2 m=33
